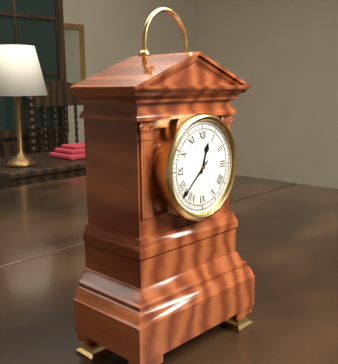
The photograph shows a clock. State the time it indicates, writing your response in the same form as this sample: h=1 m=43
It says h=12 m=38
